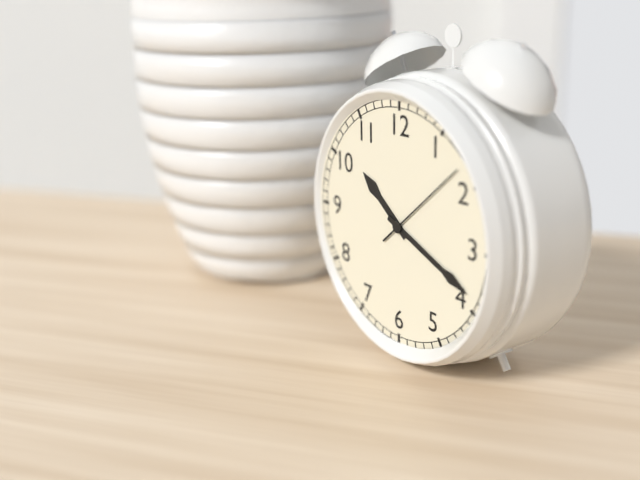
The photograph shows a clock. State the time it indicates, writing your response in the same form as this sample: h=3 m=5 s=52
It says h=10 m=19 s=8
